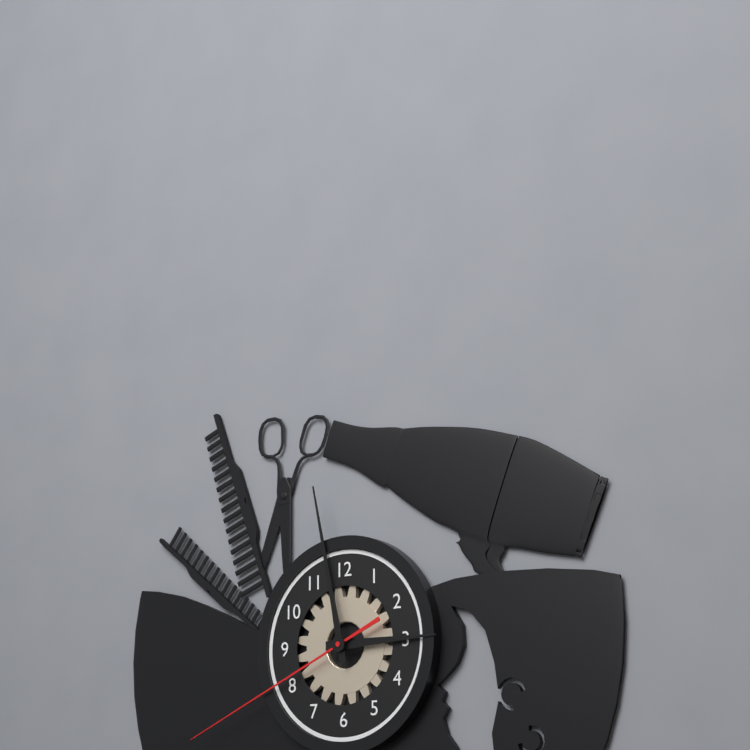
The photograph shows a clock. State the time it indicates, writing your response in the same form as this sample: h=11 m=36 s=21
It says h=2 m=58 s=41
